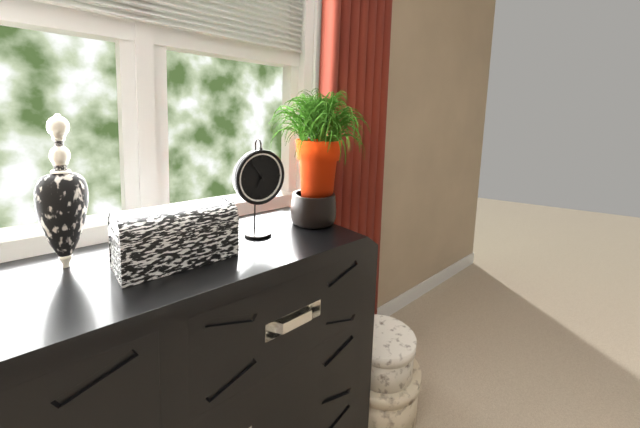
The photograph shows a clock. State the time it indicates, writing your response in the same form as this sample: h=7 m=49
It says h=6 m=54
